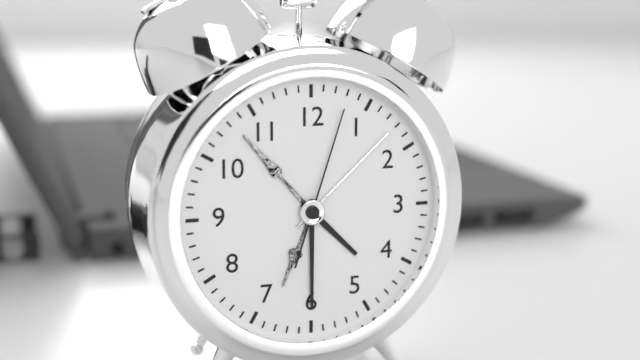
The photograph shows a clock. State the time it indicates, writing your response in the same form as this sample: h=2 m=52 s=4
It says h=4 m=30 s=3
